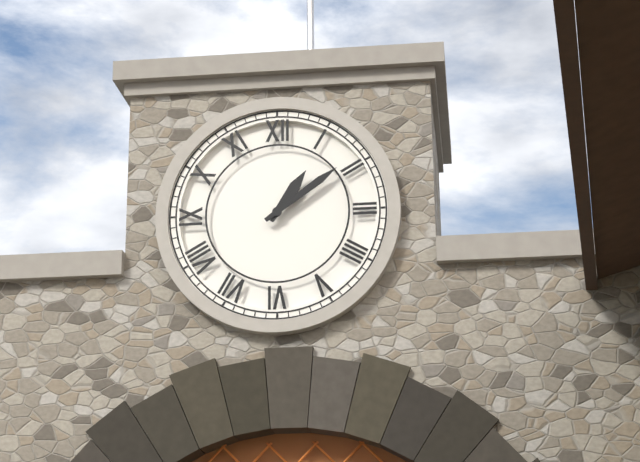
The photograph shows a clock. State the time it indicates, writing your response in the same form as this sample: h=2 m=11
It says h=1 m=9
